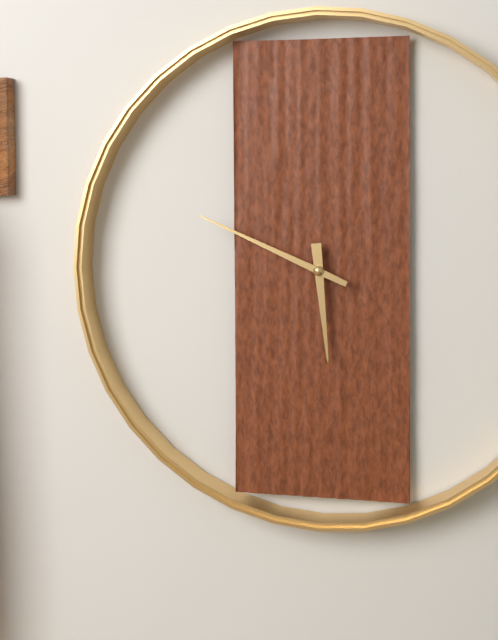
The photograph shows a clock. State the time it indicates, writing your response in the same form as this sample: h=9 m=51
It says h=5 m=49
